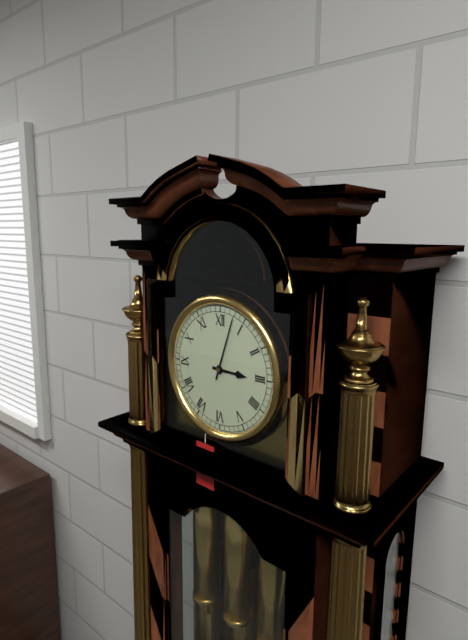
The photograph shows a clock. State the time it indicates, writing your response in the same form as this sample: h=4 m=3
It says h=3 m=3
